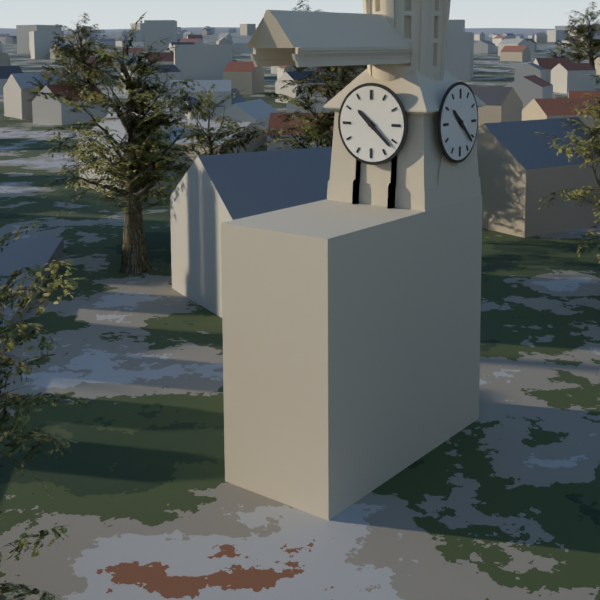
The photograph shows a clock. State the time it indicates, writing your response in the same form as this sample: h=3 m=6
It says h=10 m=22
